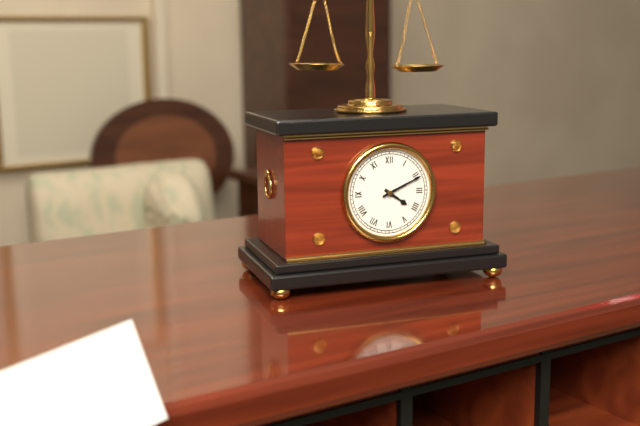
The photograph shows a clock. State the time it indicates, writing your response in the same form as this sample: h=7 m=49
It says h=4 m=11
